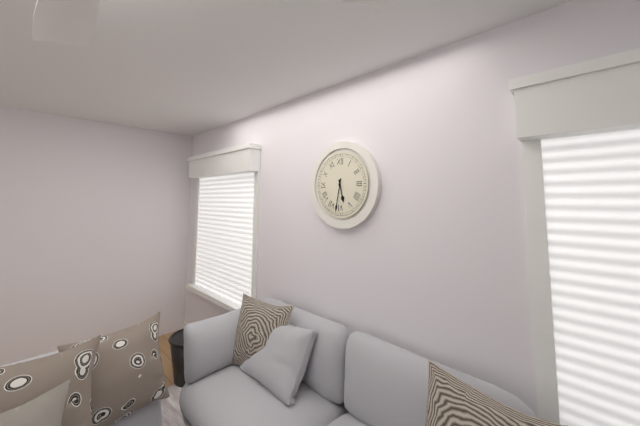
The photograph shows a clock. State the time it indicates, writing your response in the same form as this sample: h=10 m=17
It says h=5 m=32
